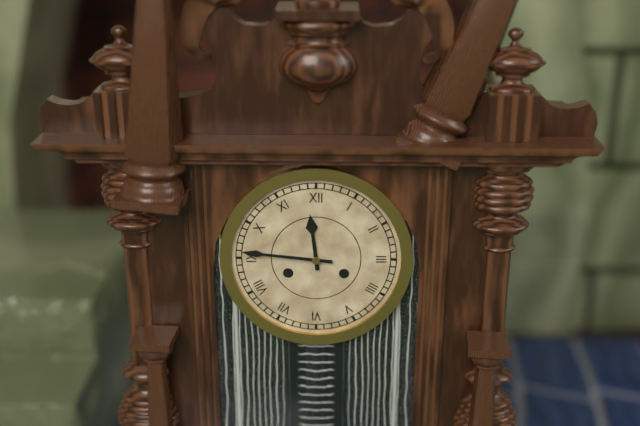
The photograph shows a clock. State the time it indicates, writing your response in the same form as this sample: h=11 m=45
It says h=11 m=46
